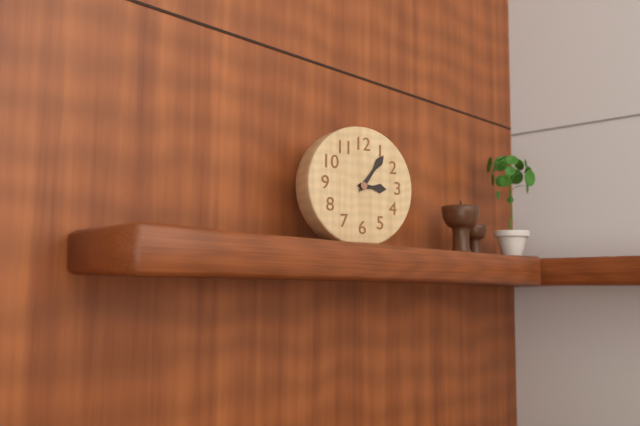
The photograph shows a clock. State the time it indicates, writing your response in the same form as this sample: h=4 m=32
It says h=3 m=6
